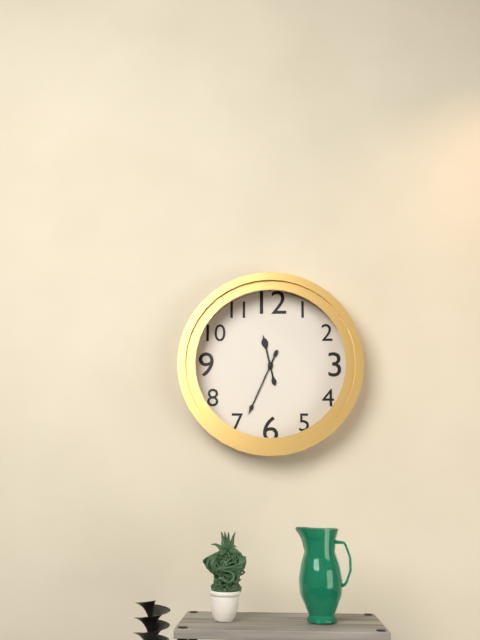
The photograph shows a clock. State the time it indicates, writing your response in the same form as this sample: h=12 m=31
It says h=11 m=34
